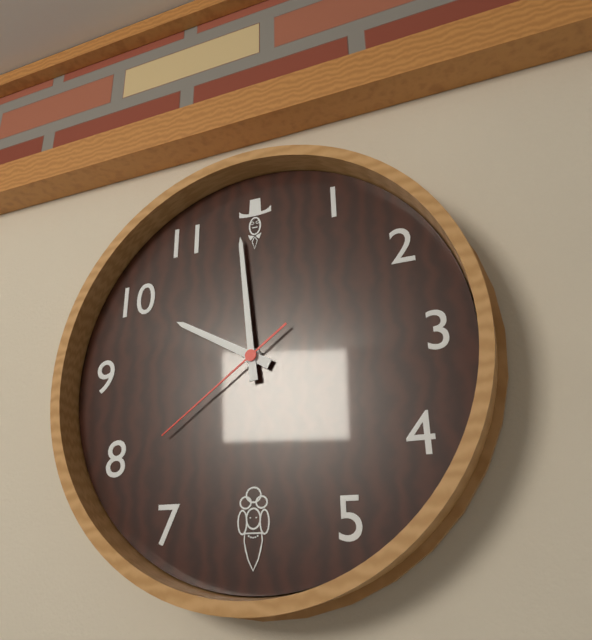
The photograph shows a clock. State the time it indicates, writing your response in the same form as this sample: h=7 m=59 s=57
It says h=9 m=59 s=39
